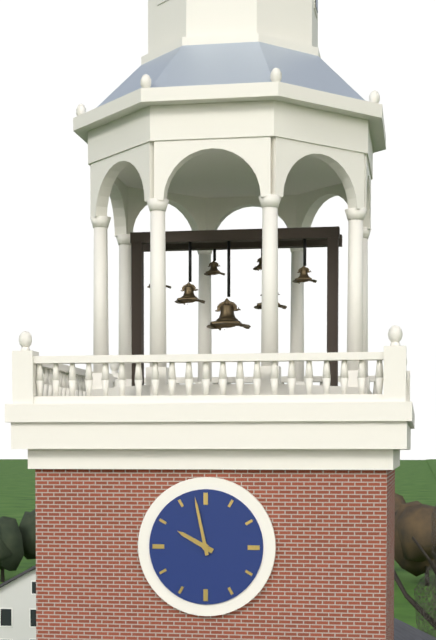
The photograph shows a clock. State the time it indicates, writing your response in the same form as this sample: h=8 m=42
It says h=9 m=58
